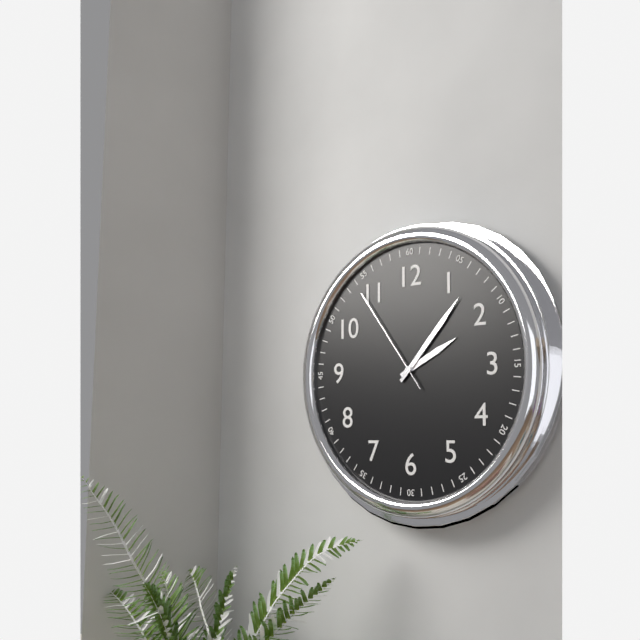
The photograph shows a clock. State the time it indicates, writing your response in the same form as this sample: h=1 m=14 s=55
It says h=2 m=7 s=54
